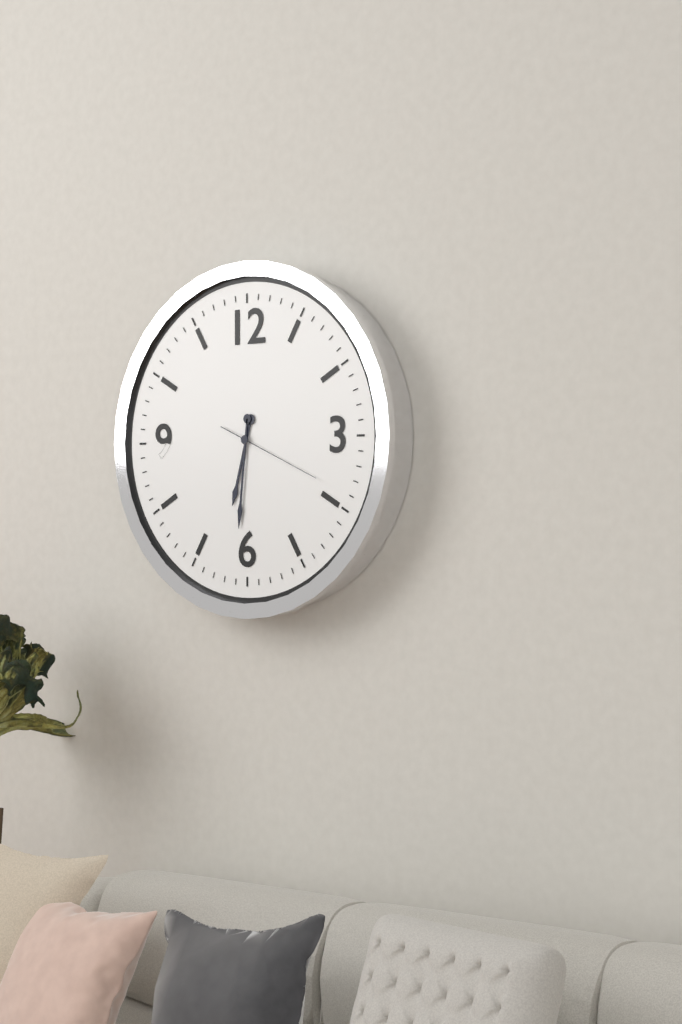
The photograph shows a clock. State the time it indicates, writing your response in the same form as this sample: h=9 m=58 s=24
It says h=6 m=31 s=19
